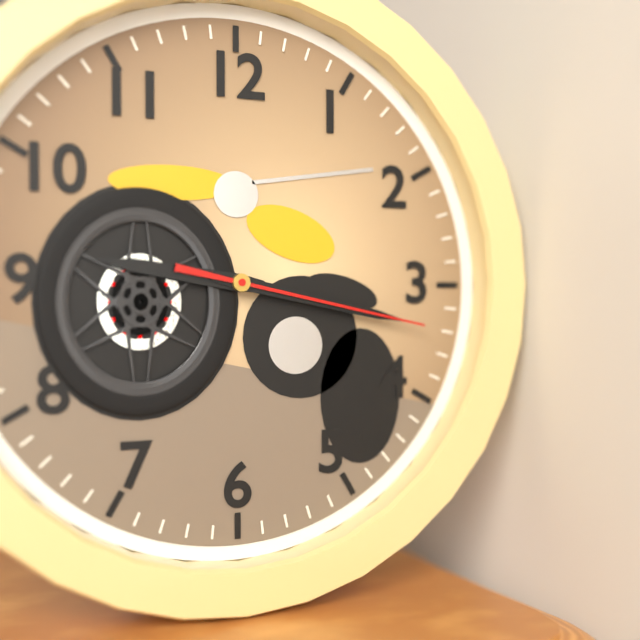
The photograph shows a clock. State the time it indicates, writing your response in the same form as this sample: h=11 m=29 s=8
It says h=9 m=17 s=17
